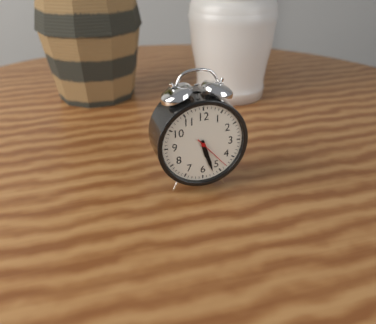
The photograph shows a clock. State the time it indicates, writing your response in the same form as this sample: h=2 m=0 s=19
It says h=5 m=27 s=23
